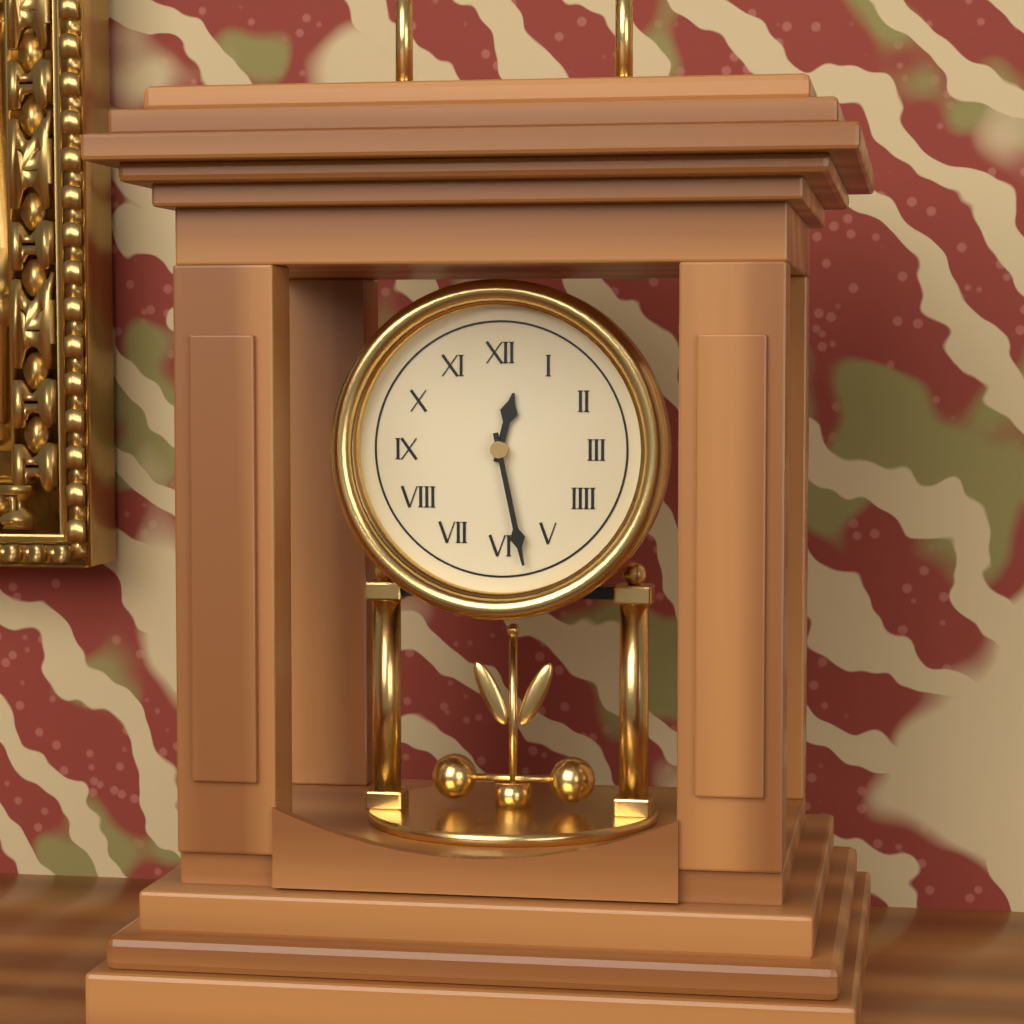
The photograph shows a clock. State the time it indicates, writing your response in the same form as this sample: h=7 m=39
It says h=12 m=28
